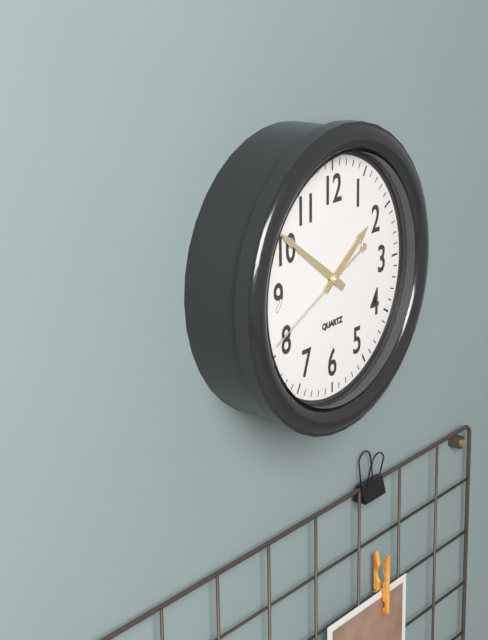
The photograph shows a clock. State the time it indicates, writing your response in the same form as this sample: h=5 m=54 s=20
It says h=1 m=51 s=41
